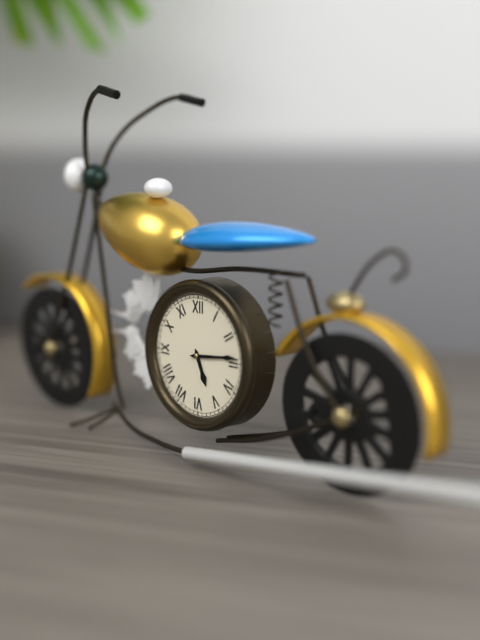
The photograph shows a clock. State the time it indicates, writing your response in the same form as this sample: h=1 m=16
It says h=5 m=14
